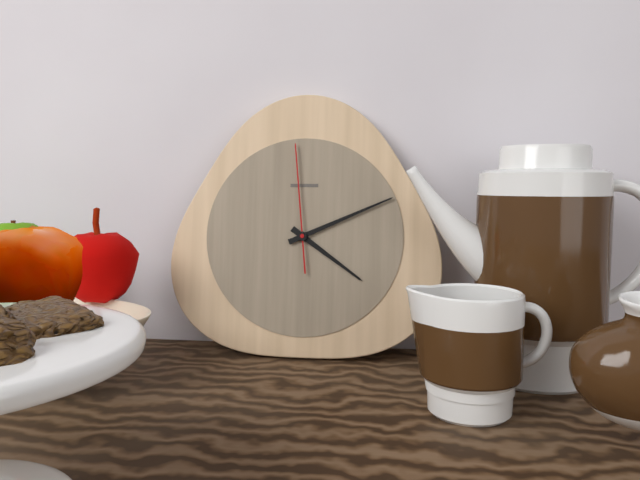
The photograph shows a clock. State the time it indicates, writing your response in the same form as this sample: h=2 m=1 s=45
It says h=4 m=11 s=59
